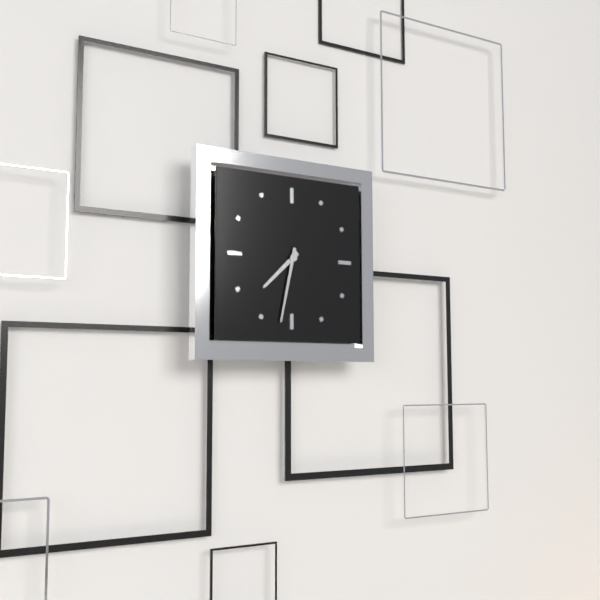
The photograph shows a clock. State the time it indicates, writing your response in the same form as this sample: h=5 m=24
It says h=7 m=32
